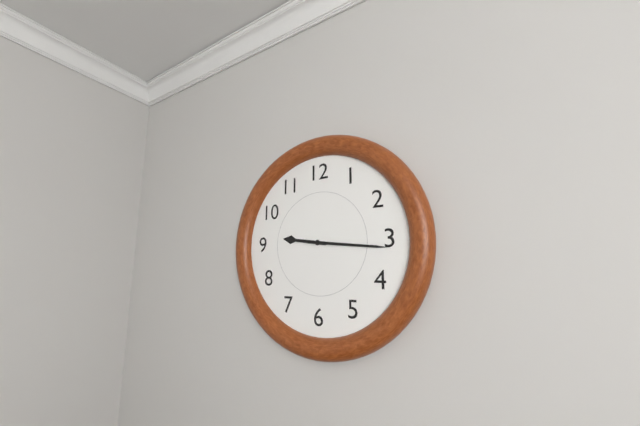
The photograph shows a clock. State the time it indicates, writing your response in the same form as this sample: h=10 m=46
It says h=9 m=16
